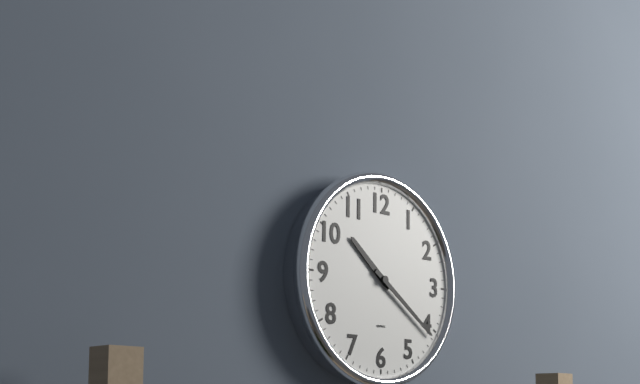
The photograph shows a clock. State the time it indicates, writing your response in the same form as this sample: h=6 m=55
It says h=10 m=21
